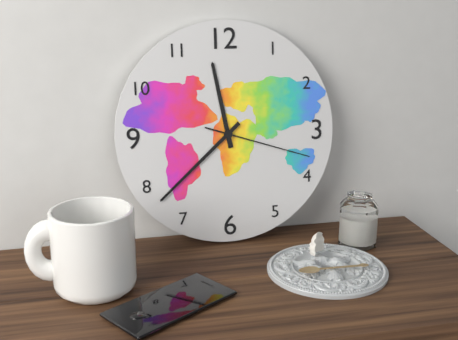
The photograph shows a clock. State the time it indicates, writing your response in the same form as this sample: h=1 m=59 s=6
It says h=11 m=38 s=18
